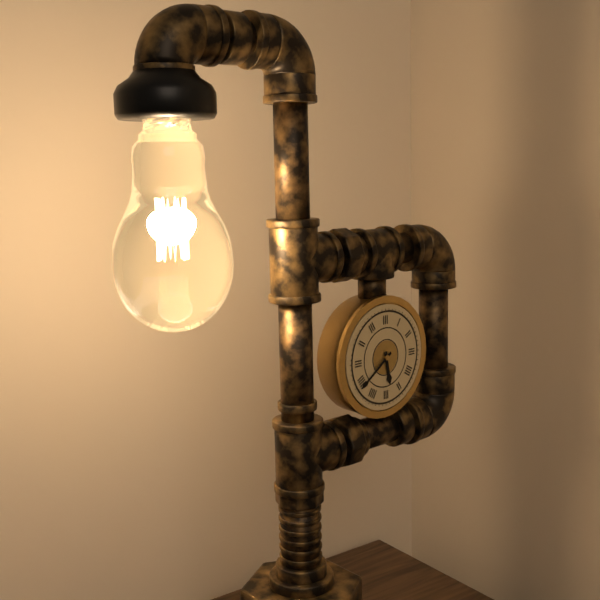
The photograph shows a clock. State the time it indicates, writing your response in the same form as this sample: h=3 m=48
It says h=5 m=39
